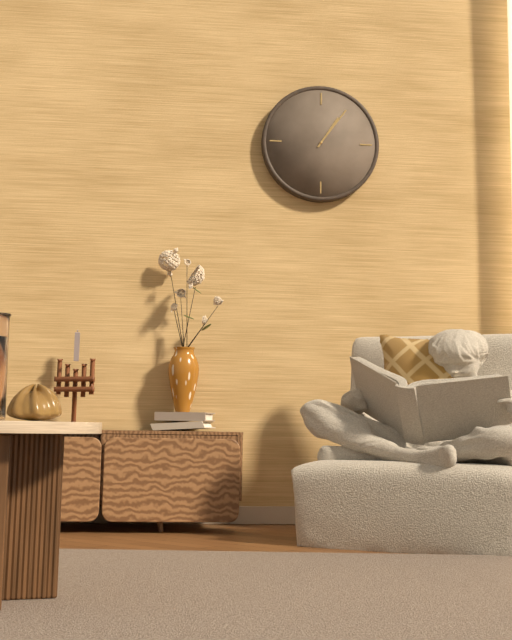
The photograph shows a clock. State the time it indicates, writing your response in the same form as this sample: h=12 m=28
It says h=1 m=6
